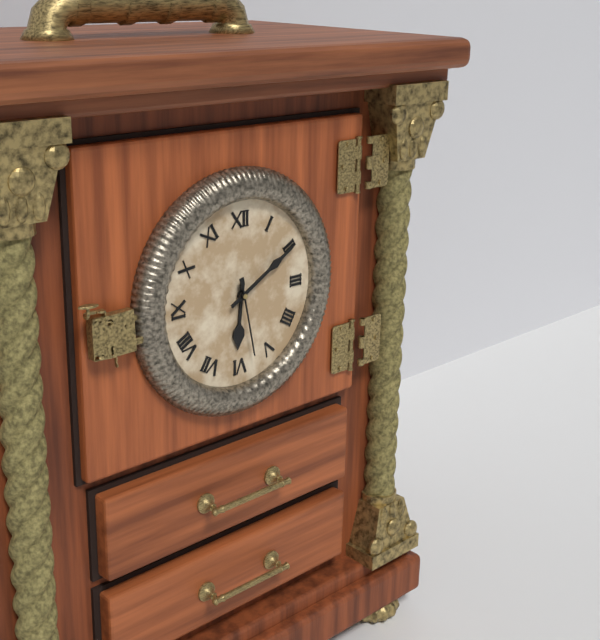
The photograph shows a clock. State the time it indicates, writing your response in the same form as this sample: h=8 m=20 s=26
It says h=6 m=10 s=28
